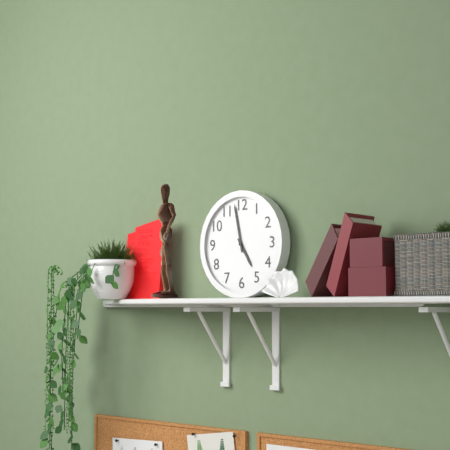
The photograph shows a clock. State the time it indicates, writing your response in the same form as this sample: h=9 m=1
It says h=4 m=58
